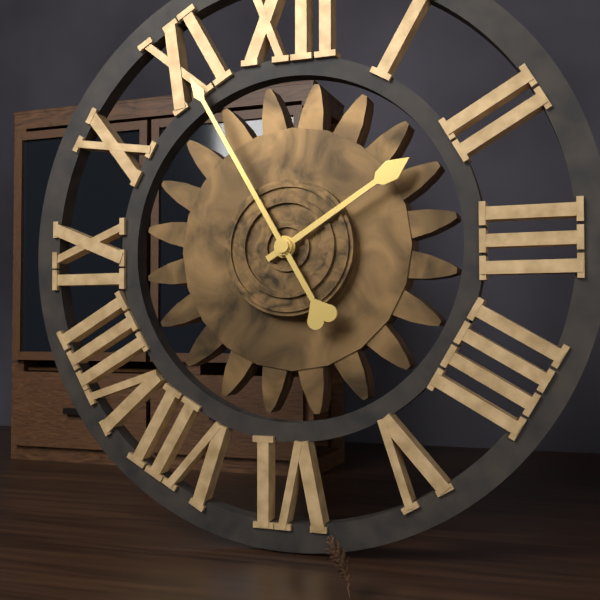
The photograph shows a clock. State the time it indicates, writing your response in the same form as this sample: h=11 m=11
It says h=1 m=55
